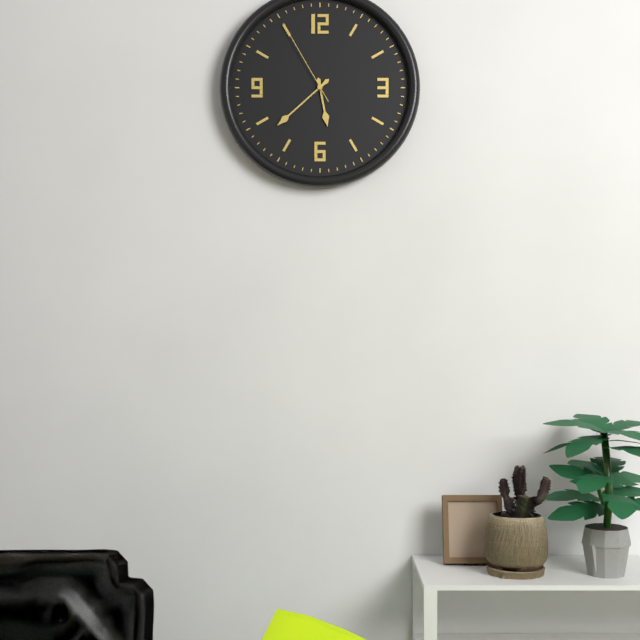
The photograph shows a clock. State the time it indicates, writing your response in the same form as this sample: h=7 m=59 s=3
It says h=5 m=38 s=55
